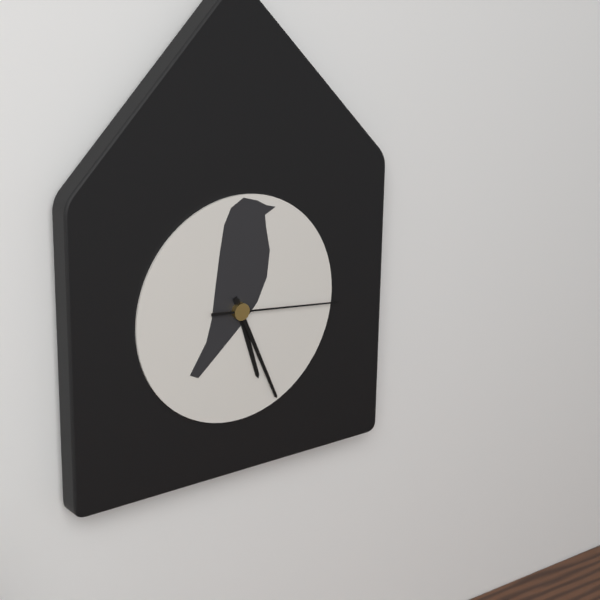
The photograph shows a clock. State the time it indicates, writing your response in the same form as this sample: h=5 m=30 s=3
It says h=5 m=26 s=16
